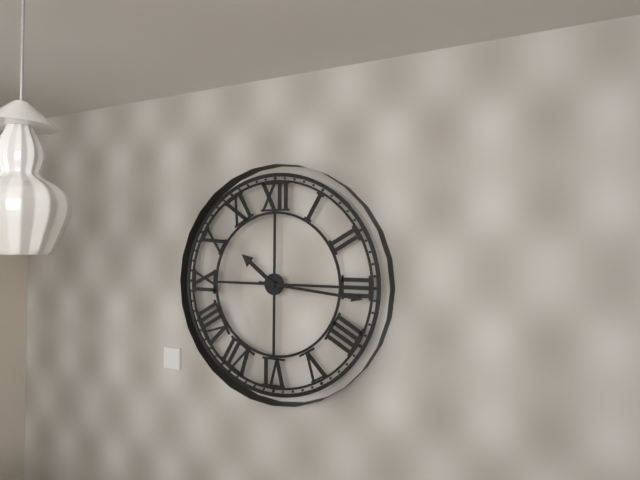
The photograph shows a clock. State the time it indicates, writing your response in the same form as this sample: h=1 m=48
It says h=10 m=16
